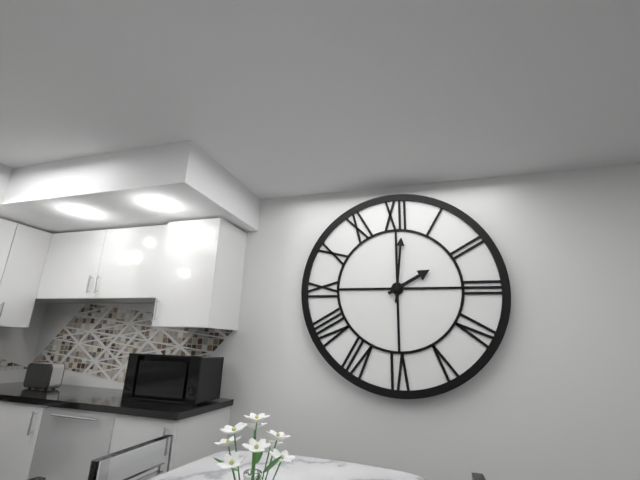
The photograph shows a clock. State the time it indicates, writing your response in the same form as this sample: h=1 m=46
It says h=2 m=1
